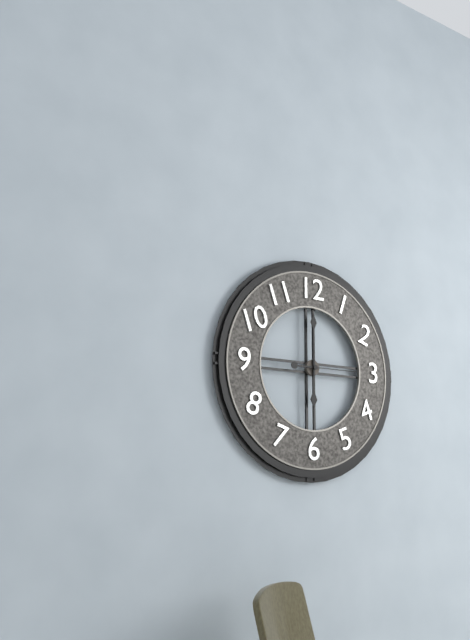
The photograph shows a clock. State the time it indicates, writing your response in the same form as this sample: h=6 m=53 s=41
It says h=6 m=0 s=15
